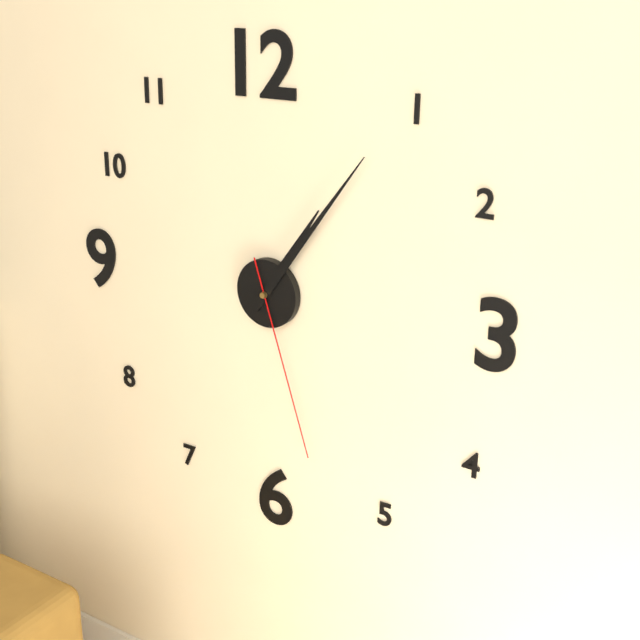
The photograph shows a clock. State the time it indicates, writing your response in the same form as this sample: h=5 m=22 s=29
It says h=1 m=6 s=27
